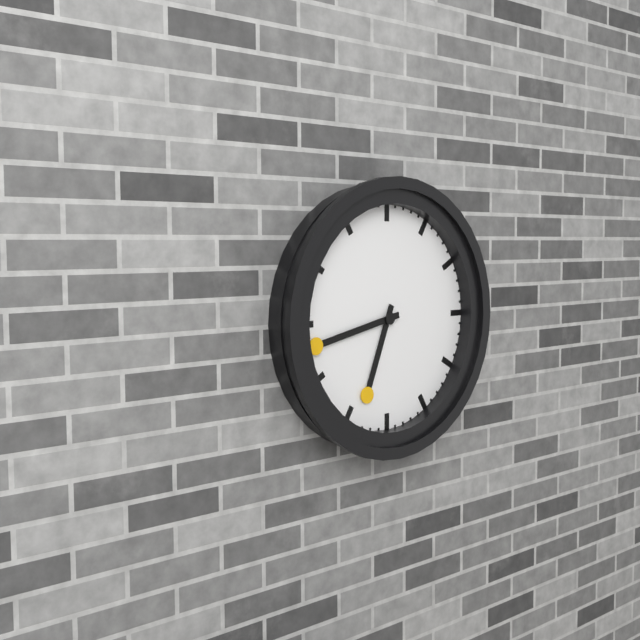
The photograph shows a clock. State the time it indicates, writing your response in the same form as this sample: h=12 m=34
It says h=6 m=43
